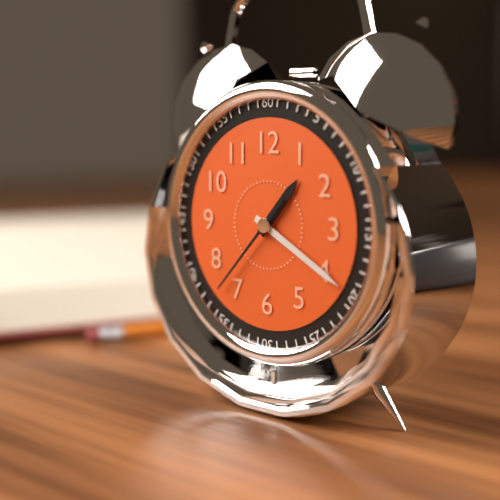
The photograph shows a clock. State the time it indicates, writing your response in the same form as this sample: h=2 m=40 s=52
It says h=1 m=20 s=37
